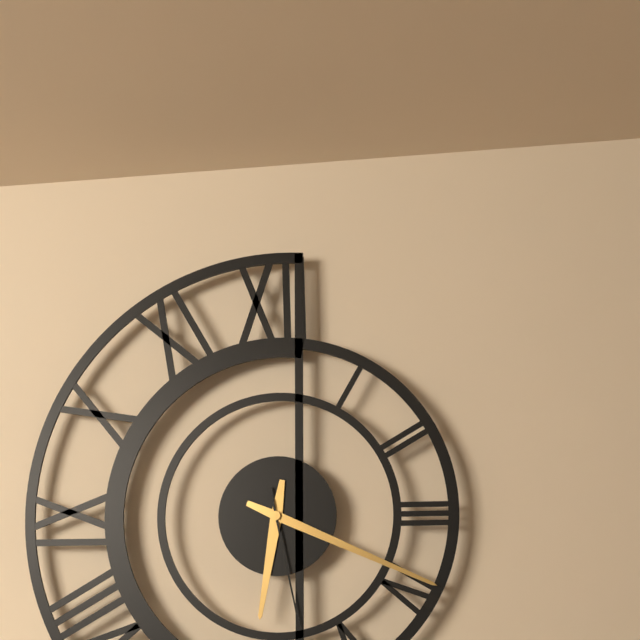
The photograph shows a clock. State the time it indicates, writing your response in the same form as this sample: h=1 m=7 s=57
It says h=6 m=19 s=28
